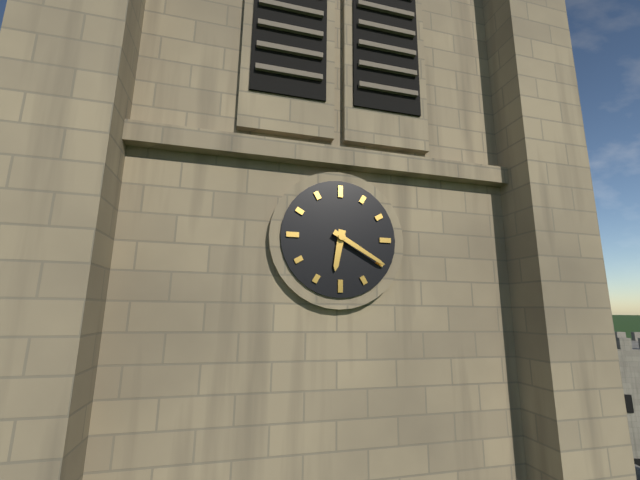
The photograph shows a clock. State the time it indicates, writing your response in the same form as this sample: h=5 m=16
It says h=6 m=20
